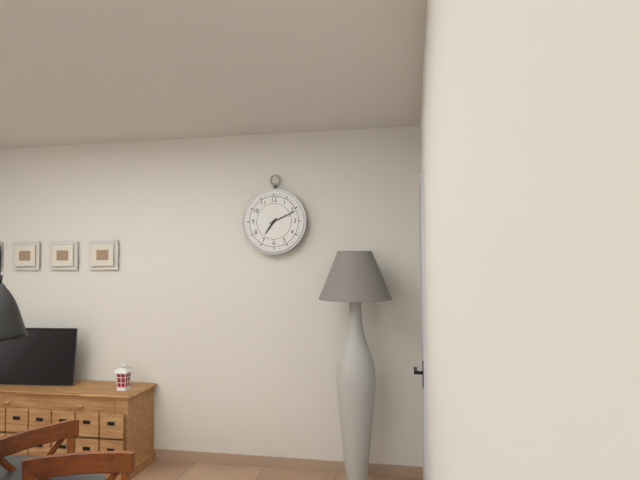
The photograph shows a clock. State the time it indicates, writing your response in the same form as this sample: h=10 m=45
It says h=7 m=11
